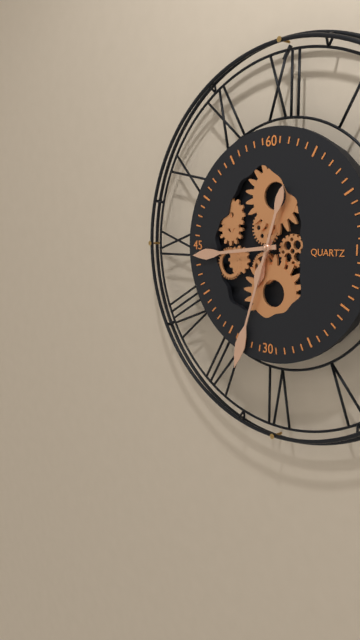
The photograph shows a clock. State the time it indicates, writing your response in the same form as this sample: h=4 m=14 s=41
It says h=6 m=44 s=33
